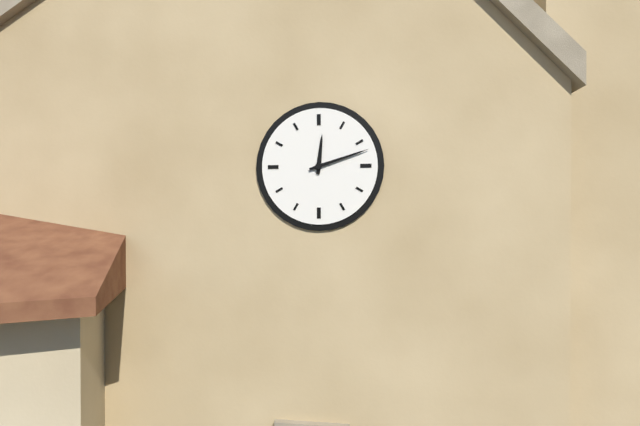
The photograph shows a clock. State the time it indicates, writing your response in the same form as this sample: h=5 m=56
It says h=12 m=12
